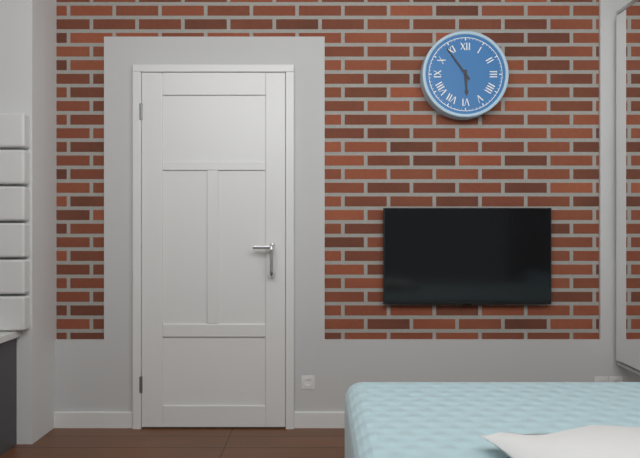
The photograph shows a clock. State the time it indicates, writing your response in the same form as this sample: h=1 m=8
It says h=5 m=54
